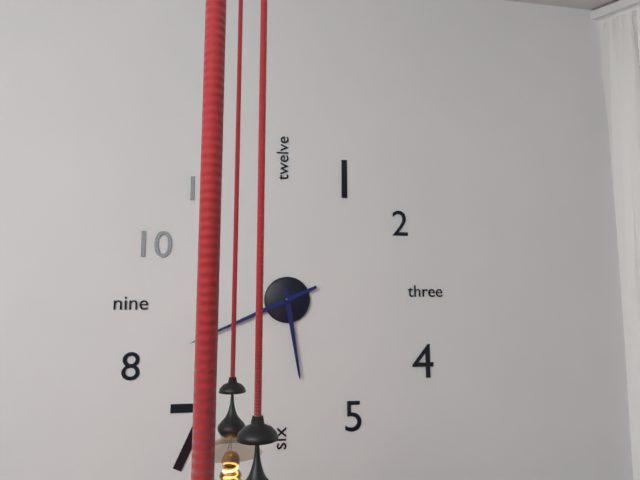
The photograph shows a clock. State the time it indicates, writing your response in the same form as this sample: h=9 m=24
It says h=5 m=41
